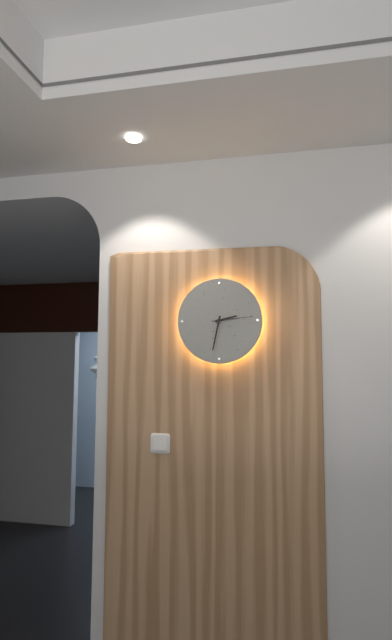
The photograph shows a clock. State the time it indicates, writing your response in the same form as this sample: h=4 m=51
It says h=2 m=32
